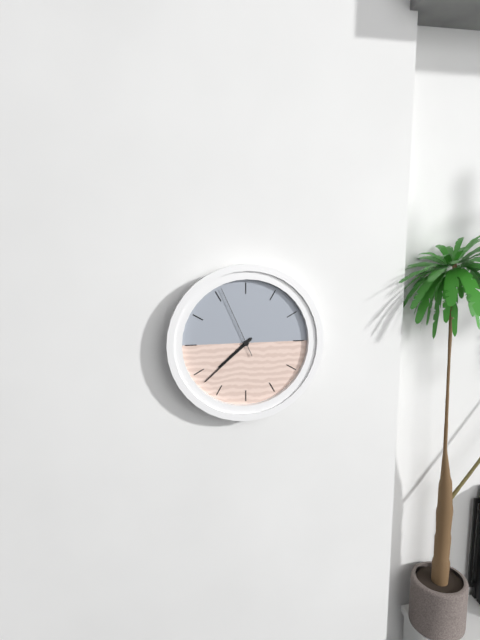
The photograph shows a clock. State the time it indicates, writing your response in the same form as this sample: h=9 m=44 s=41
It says h=7 m=38 s=56
